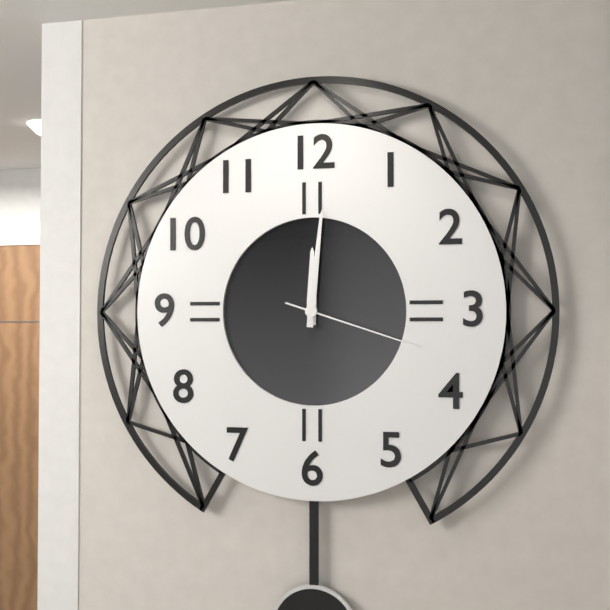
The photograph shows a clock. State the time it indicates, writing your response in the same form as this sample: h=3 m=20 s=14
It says h=12 m=1 s=18
